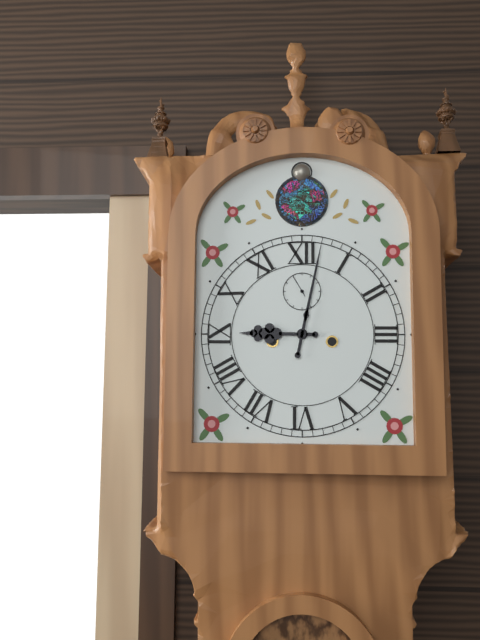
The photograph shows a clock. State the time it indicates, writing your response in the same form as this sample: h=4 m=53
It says h=9 m=2
